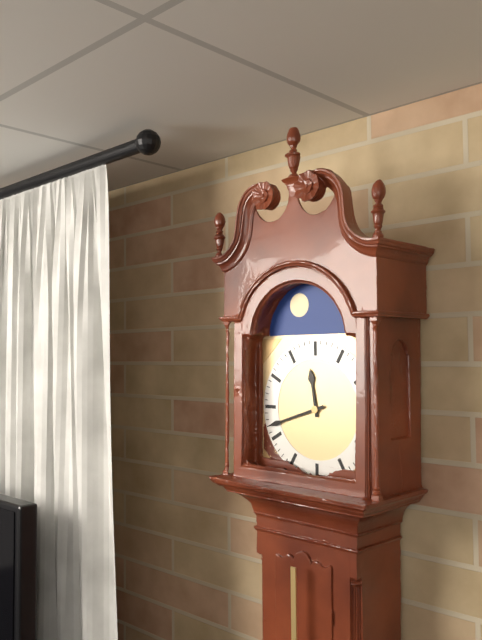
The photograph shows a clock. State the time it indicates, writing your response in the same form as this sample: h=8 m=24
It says h=11 m=42
